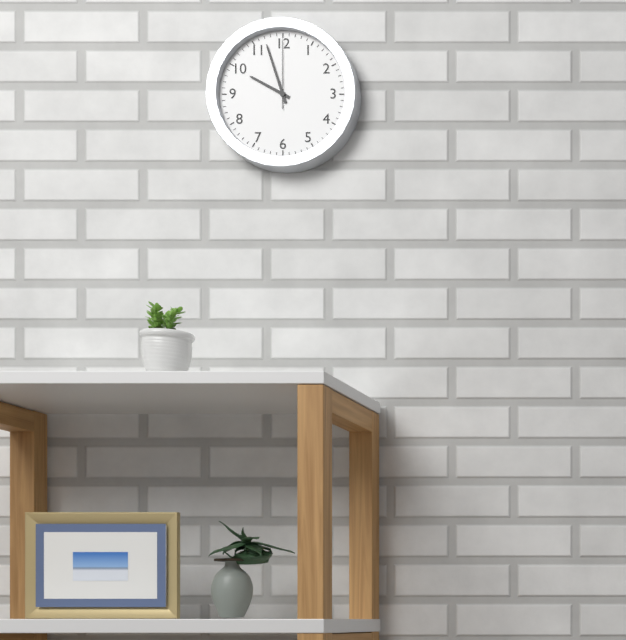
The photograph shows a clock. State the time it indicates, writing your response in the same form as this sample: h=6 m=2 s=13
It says h=9 m=57 s=0
